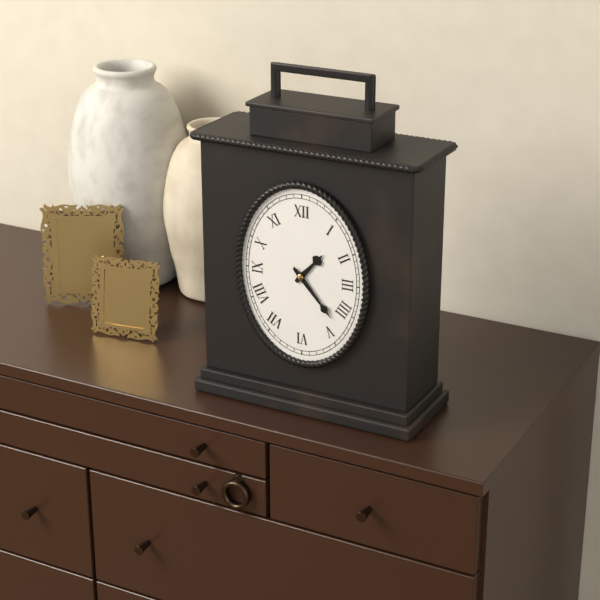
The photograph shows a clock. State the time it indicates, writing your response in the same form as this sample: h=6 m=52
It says h=1 m=23
